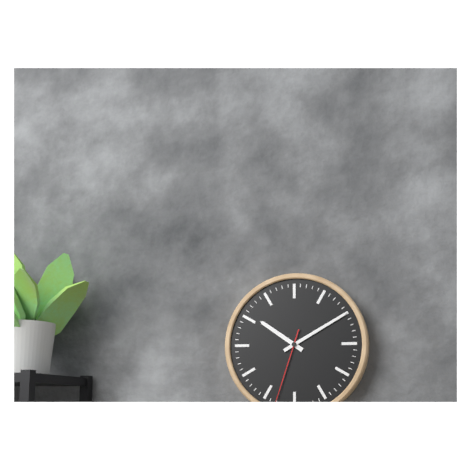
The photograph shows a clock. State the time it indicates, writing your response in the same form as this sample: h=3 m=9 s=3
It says h=10 m=10 s=33
